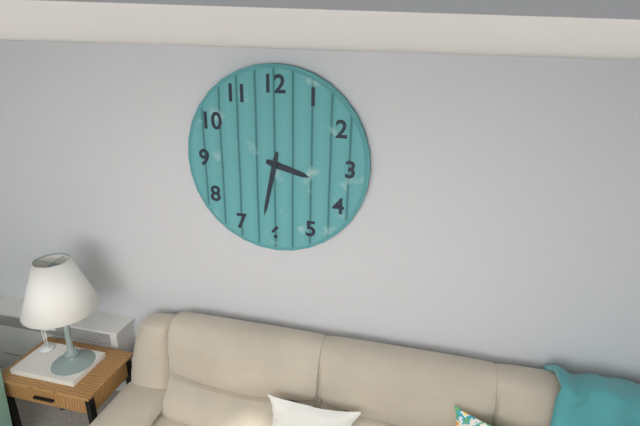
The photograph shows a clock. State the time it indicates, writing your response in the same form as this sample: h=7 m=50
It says h=3 m=32
